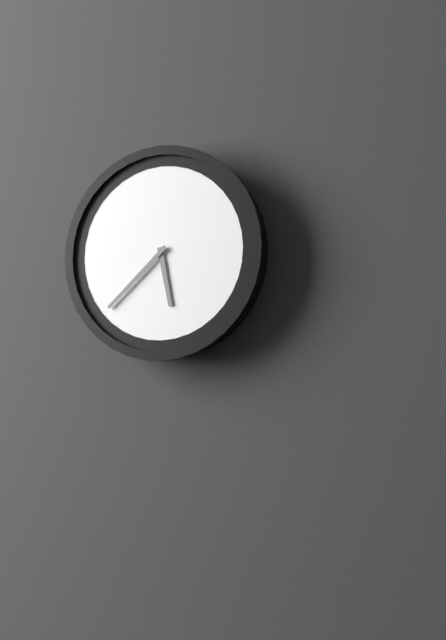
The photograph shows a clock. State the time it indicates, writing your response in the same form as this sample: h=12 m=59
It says h=5 m=38
